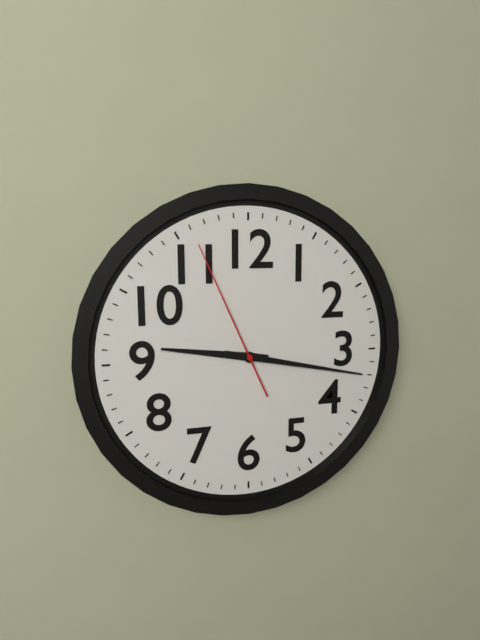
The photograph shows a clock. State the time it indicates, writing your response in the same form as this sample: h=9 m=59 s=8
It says h=9 m=17 s=56
